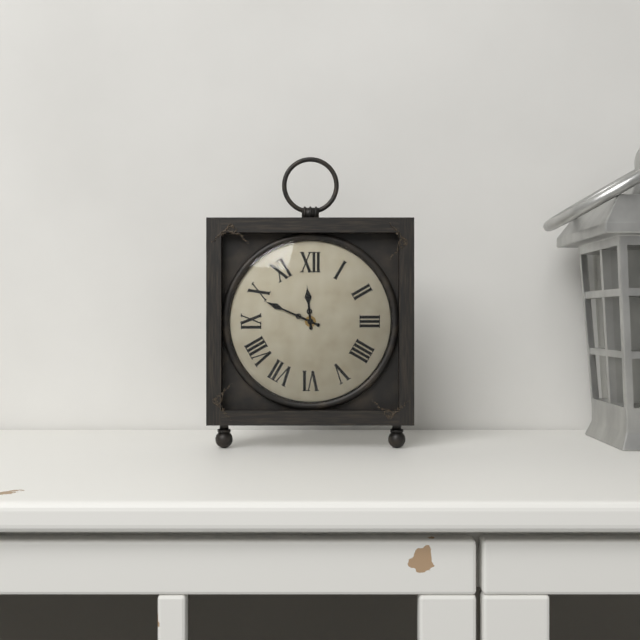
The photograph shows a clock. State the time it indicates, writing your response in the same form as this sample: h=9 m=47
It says h=11 m=49
